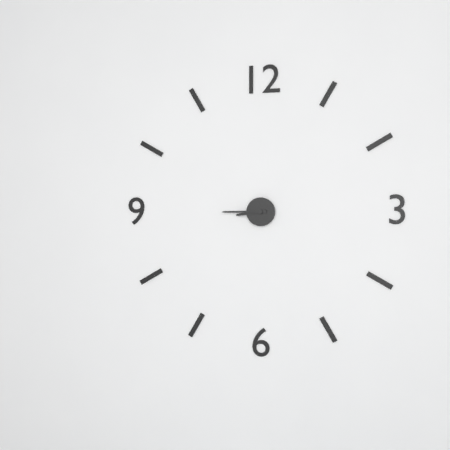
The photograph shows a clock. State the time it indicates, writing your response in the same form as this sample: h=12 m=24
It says h=8 m=45
